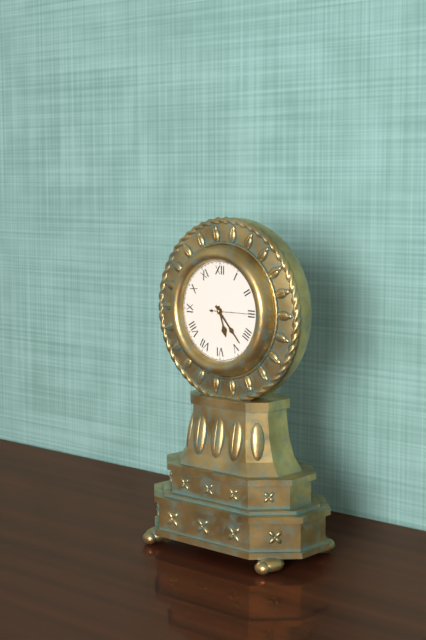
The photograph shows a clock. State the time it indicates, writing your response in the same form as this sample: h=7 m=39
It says h=5 m=23
